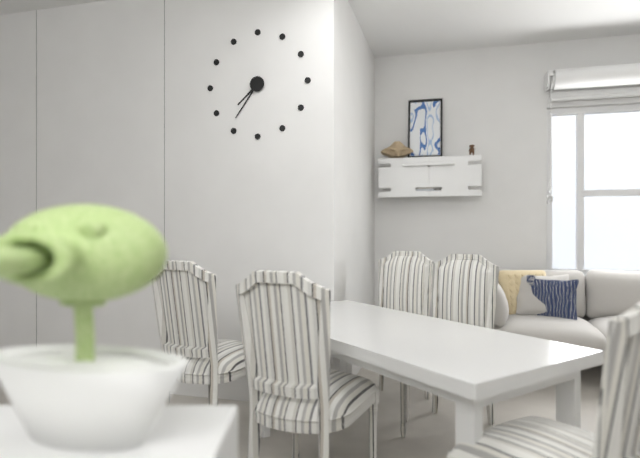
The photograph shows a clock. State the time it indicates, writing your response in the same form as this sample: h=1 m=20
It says h=7 m=36
